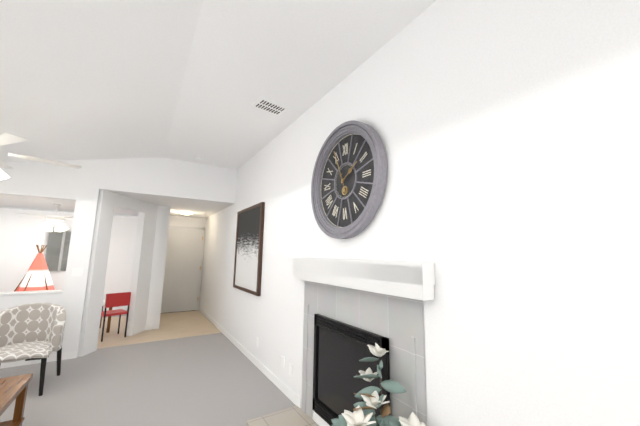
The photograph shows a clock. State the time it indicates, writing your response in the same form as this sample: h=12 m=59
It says h=1 m=56
